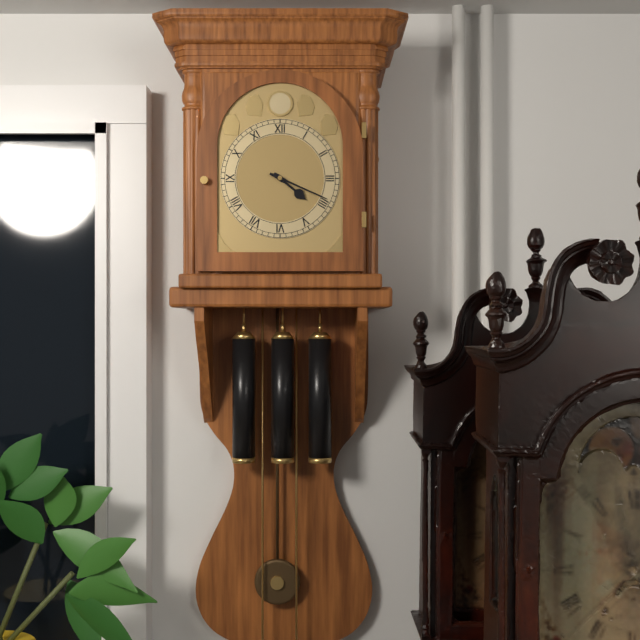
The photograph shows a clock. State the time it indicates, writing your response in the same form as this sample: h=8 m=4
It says h=4 m=19
